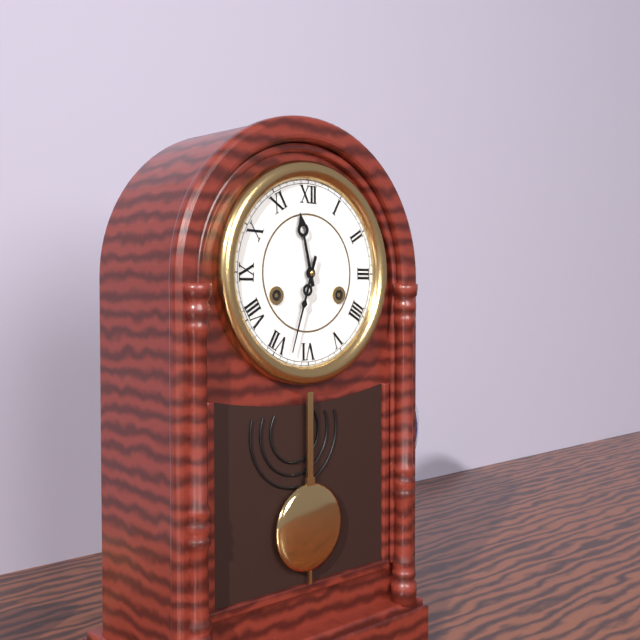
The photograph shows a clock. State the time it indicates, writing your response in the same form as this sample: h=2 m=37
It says h=11 m=33
